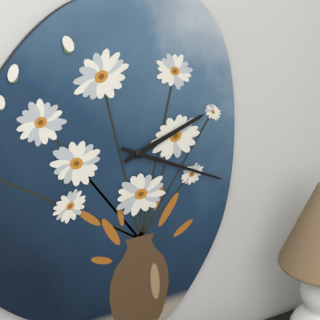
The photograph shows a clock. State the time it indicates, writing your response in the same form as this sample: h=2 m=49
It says h=2 m=19
